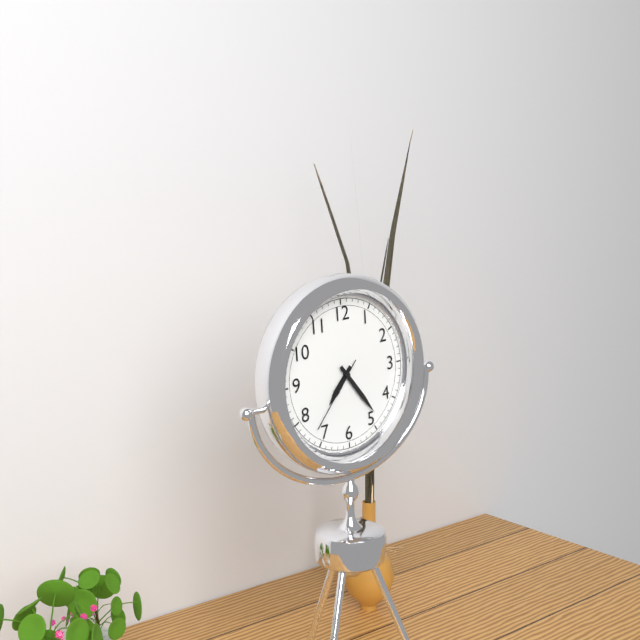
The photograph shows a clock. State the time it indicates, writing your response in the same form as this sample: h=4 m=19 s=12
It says h=7 m=24 s=37
